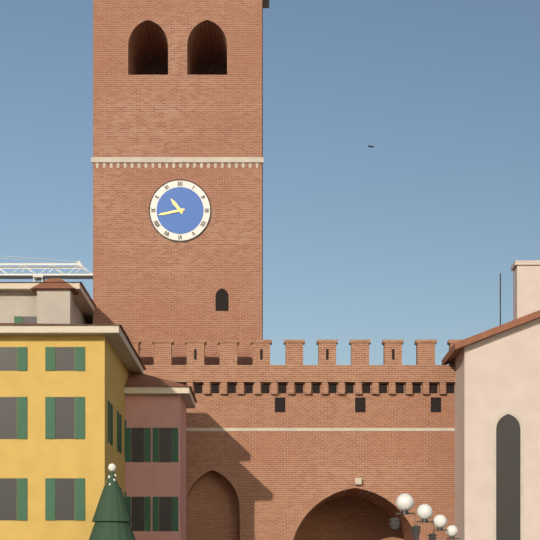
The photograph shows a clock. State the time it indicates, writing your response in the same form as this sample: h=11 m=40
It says h=10 m=43
